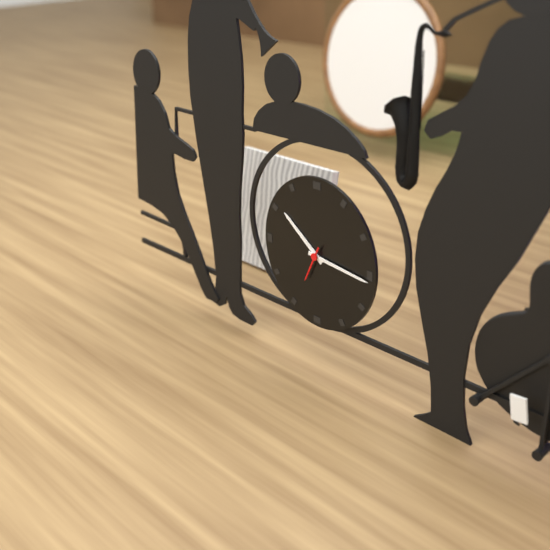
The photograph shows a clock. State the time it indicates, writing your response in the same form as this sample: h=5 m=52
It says h=10 m=16
